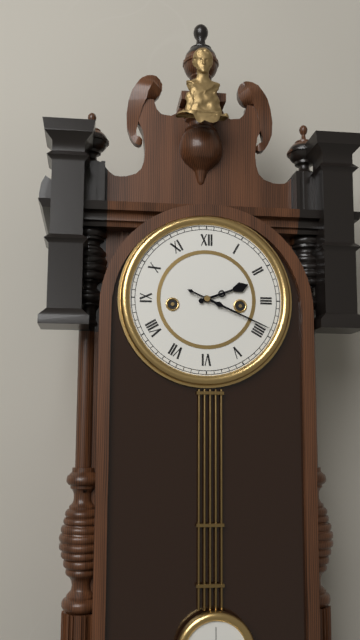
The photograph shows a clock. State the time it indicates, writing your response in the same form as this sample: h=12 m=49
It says h=2 m=19
